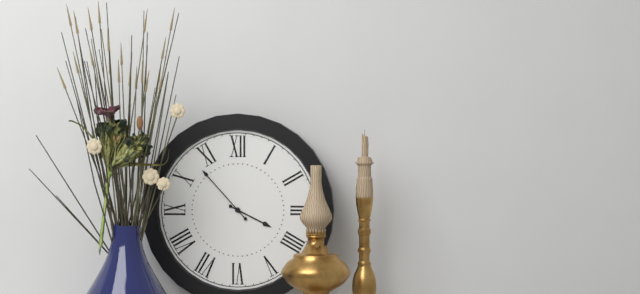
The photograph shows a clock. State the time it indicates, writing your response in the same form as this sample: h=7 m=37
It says h=3 m=53
